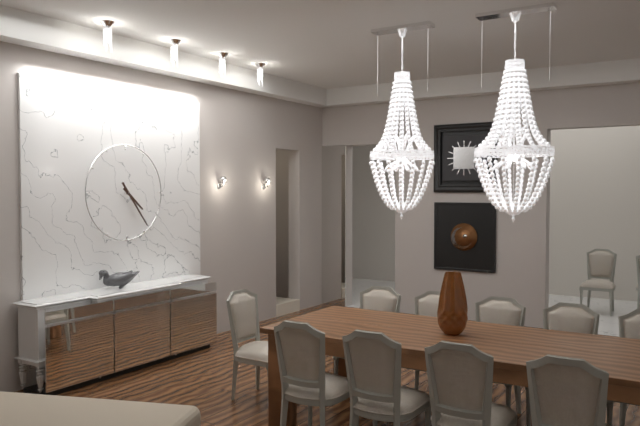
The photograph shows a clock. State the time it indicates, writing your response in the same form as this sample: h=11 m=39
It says h=4 m=24
